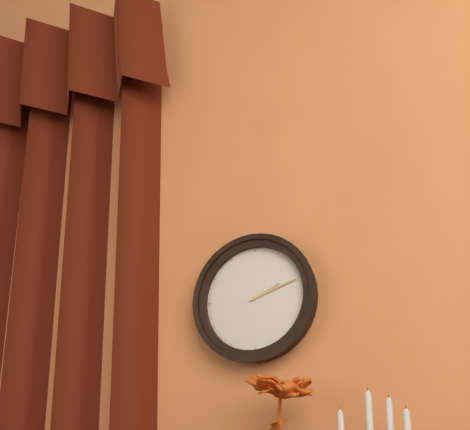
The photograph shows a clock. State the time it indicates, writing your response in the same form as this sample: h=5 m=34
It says h=2 m=12
